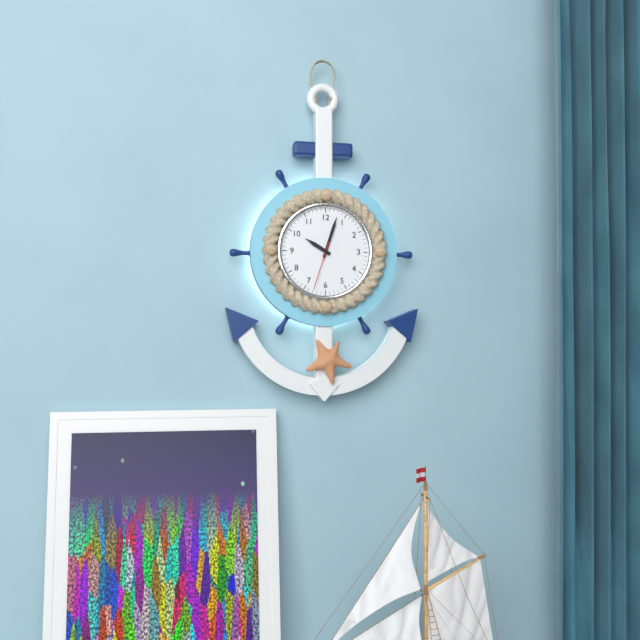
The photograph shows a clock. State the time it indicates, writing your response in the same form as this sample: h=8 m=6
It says h=10 m=3
